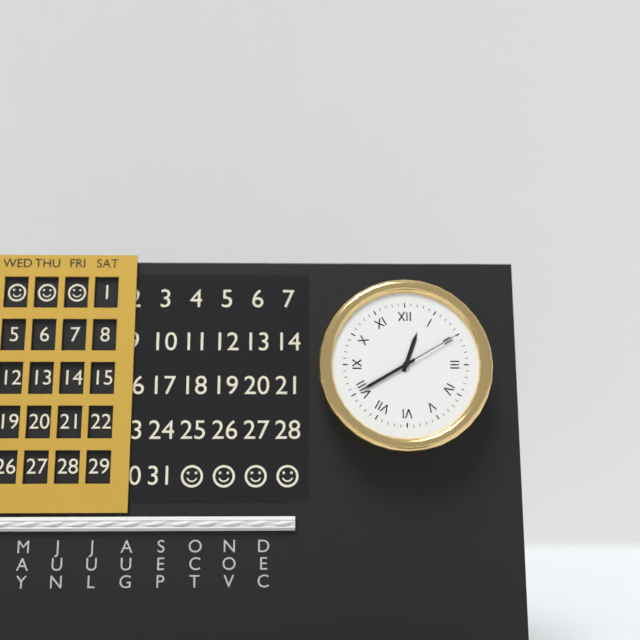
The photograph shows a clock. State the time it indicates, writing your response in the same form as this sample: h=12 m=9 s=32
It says h=12 m=40 s=10
